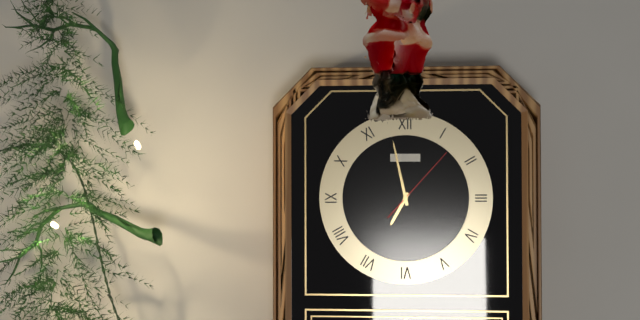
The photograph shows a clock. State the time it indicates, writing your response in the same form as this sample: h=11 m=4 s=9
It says h=6 m=58 s=7
